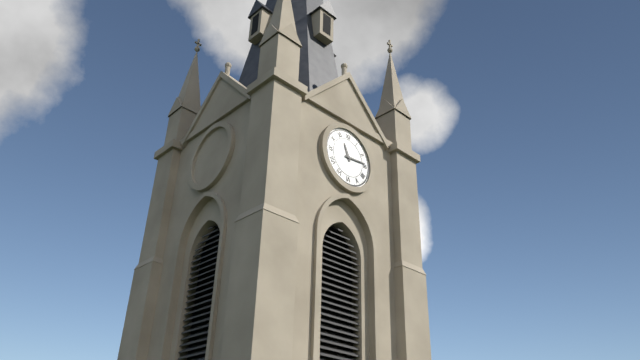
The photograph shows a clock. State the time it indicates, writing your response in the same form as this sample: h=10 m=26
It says h=11 m=14
